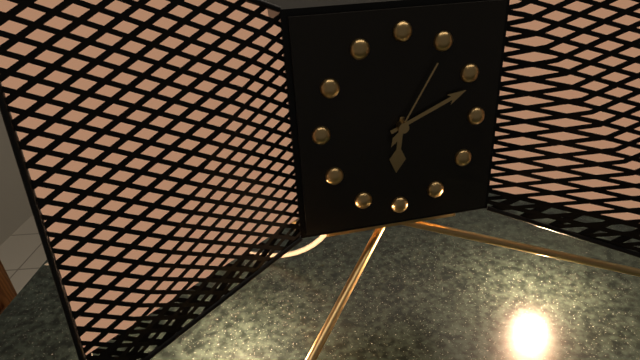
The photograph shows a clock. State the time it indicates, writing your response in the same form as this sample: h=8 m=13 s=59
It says h=6 m=11 s=5
